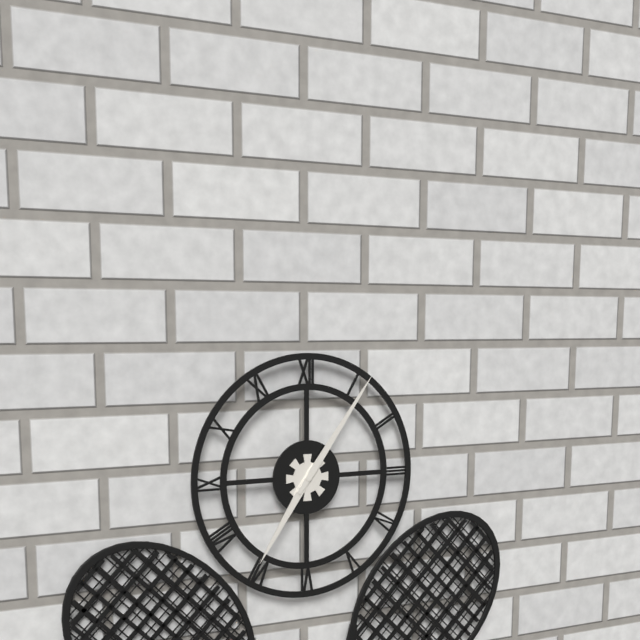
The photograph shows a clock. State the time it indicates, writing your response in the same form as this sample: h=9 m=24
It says h=7 m=6
